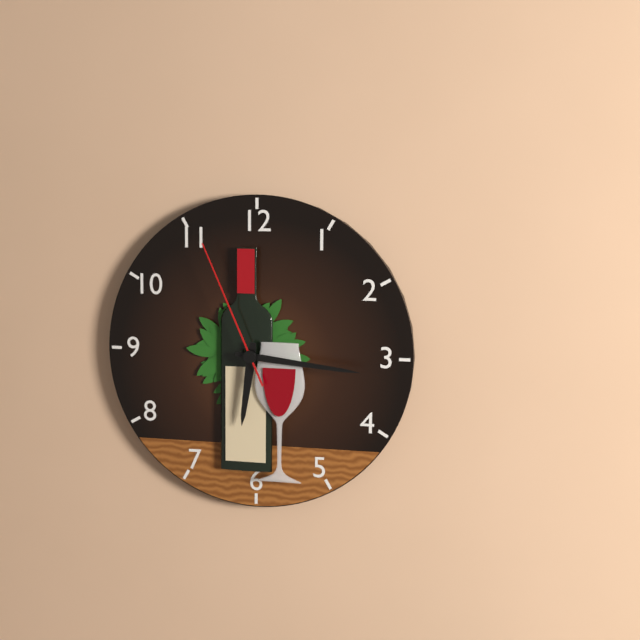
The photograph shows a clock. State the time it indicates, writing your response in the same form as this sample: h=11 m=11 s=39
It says h=6 m=16 s=56
